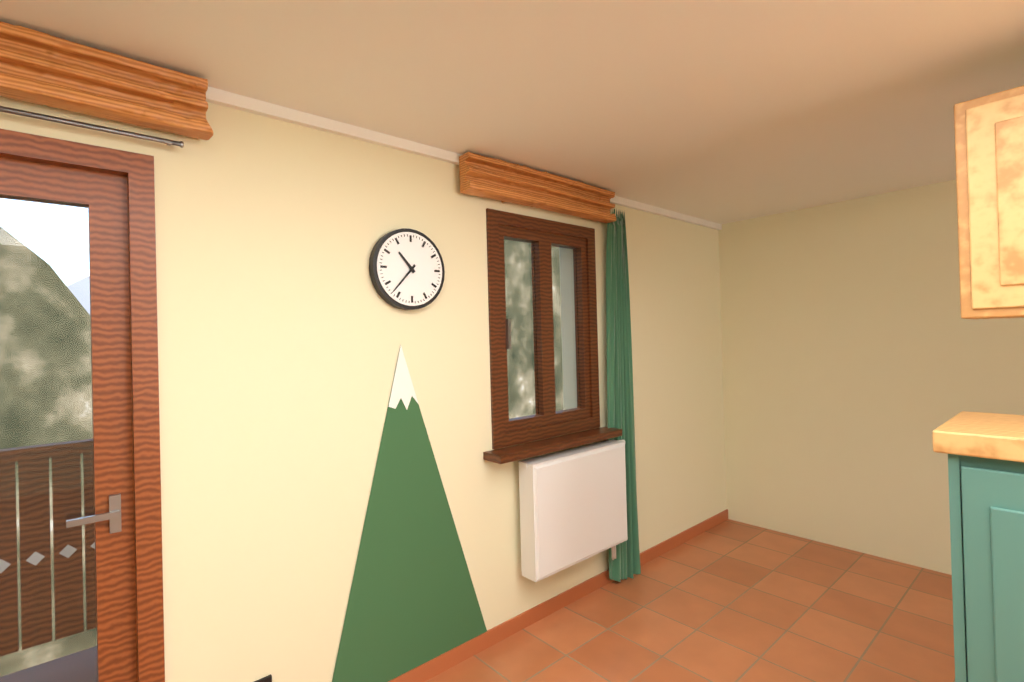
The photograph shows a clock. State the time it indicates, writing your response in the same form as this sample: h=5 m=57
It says h=10 m=37
